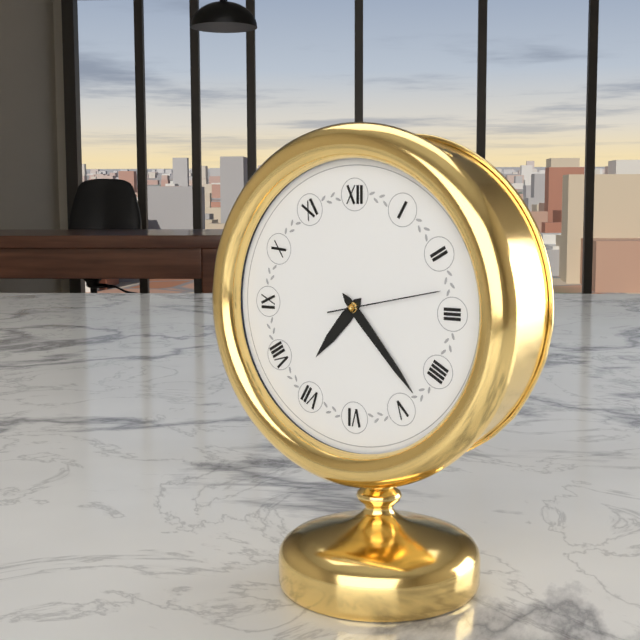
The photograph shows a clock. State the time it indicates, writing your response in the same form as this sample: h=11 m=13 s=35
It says h=7 m=23 s=13
